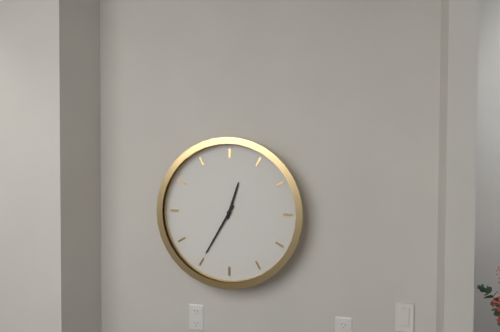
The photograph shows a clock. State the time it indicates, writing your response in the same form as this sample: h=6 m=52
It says h=12 m=35
